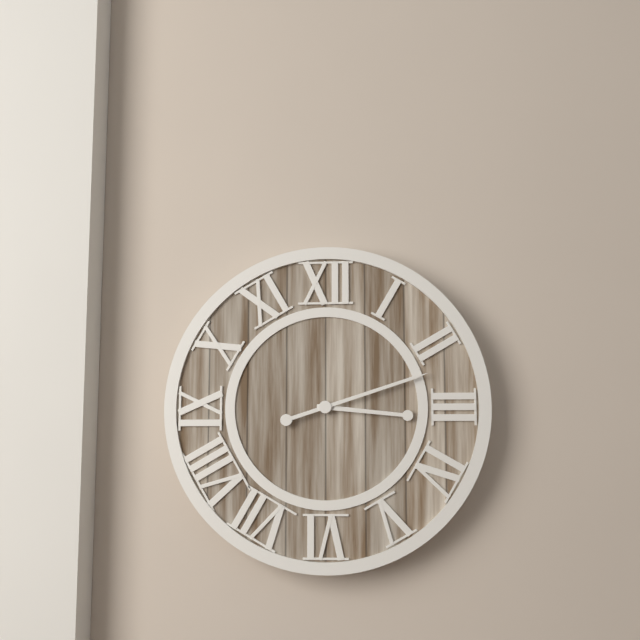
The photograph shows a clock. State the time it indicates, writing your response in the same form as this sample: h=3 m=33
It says h=3 m=12
